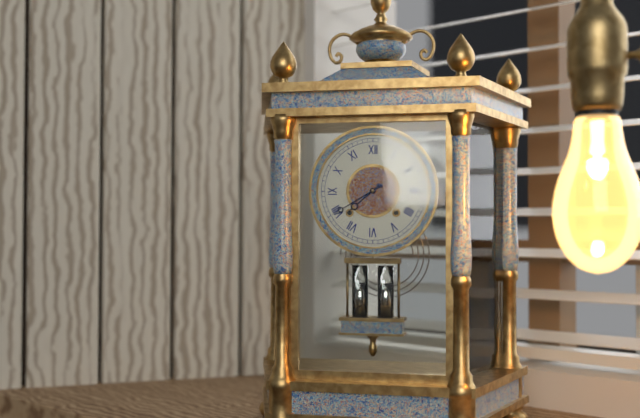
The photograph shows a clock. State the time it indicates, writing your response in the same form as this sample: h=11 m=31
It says h=7 m=40
